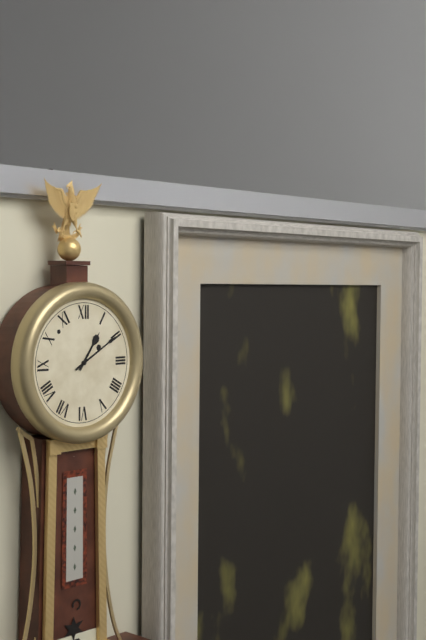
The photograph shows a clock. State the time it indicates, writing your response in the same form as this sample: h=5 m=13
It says h=1 m=10
